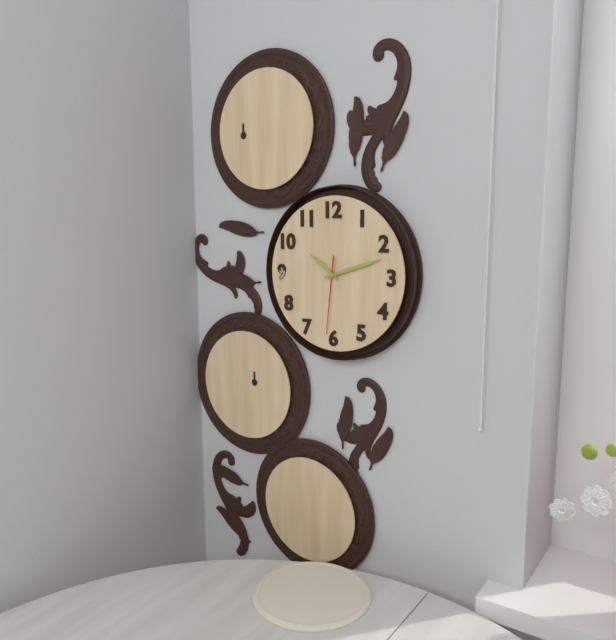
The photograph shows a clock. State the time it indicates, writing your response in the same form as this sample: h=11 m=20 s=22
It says h=10 m=12 s=31
